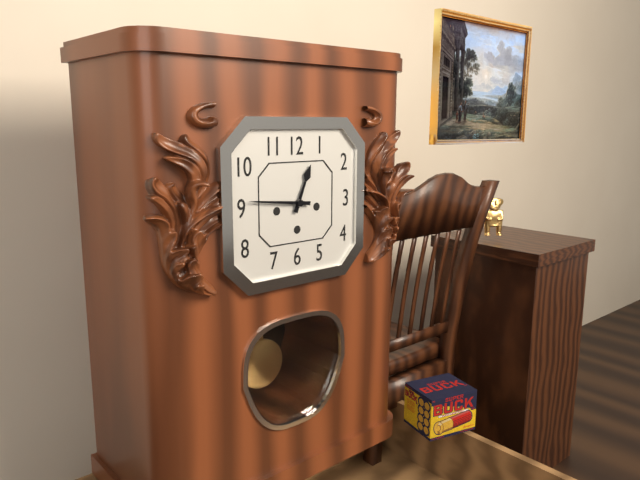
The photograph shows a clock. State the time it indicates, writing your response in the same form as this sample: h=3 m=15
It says h=12 m=46
